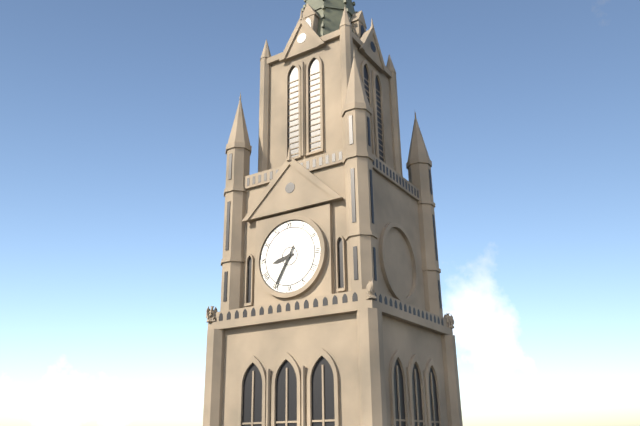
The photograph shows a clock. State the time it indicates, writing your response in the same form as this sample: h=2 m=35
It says h=8 m=35
